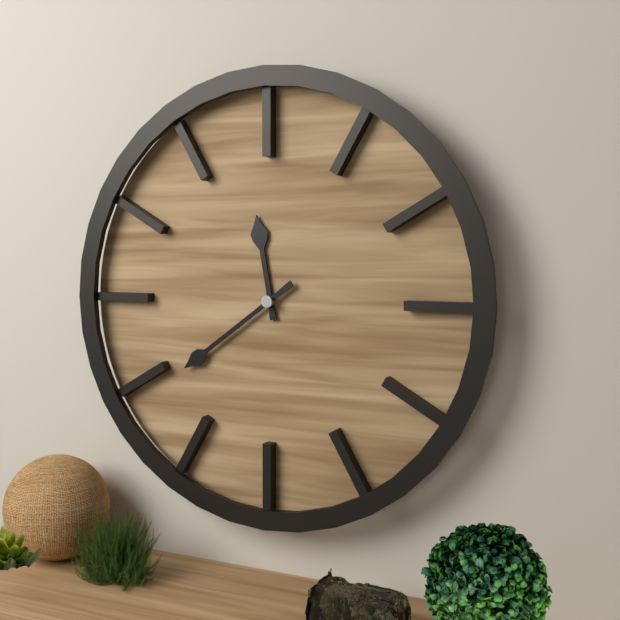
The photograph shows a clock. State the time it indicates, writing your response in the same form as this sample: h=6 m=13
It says h=11 m=39
